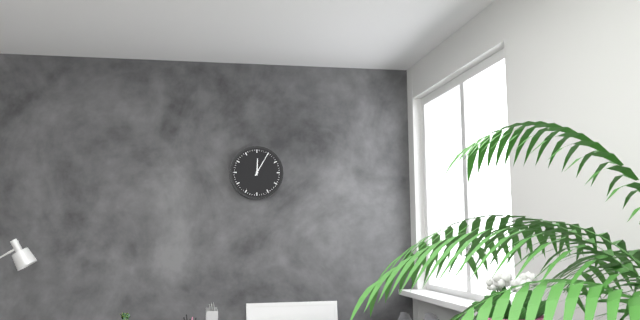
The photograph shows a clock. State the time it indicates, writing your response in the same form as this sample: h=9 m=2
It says h=12 m=5
